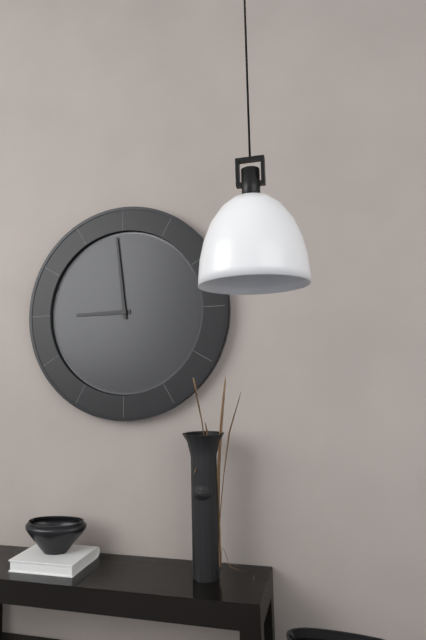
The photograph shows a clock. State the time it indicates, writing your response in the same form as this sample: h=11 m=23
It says h=8 m=59
